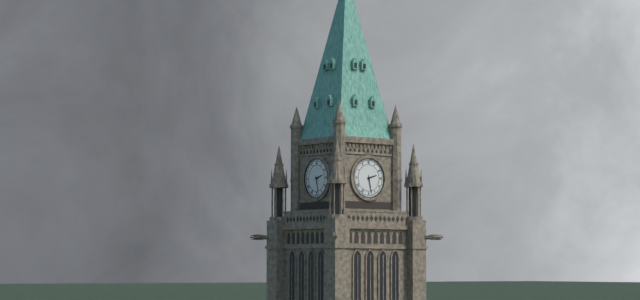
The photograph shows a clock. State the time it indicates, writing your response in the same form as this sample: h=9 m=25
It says h=2 m=28
